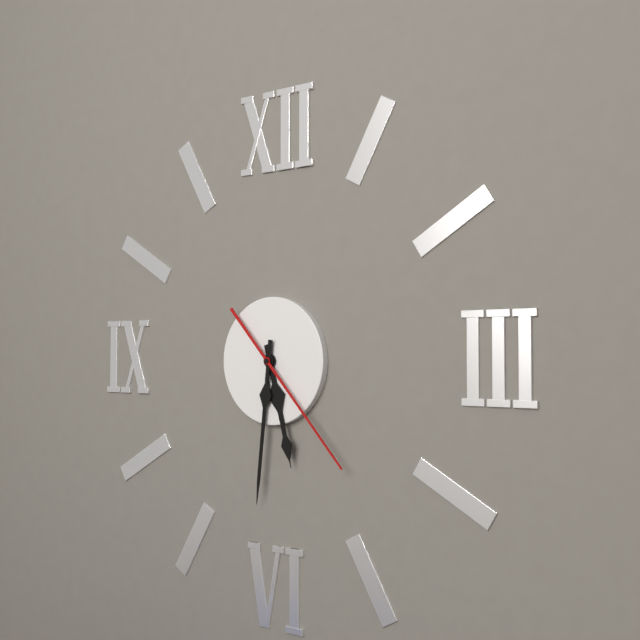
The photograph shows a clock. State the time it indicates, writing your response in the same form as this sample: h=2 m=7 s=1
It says h=5 m=31 s=23
